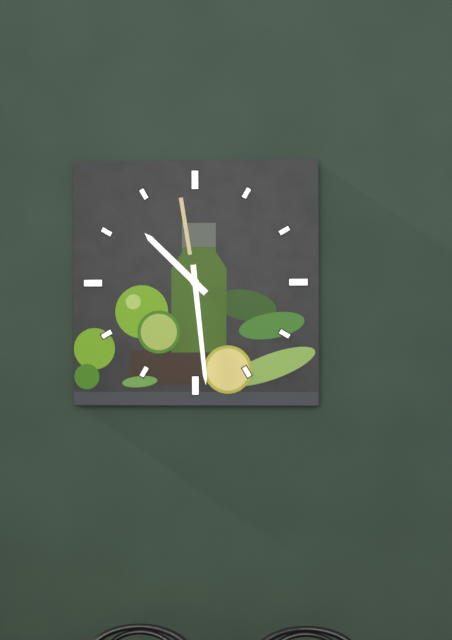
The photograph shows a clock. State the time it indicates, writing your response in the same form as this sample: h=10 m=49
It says h=10 m=29
